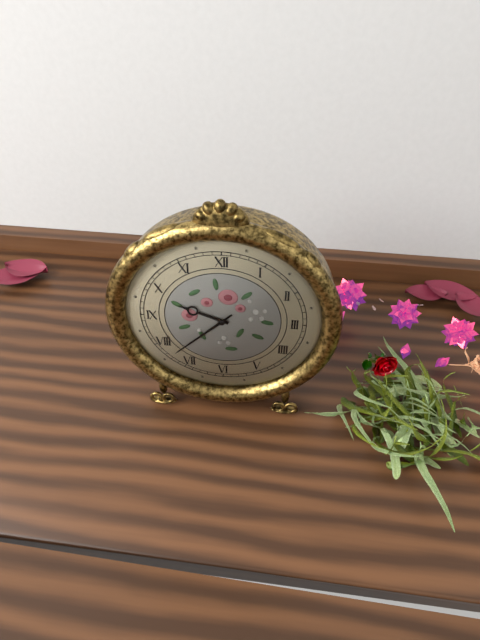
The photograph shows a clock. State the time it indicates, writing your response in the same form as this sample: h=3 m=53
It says h=9 m=38
